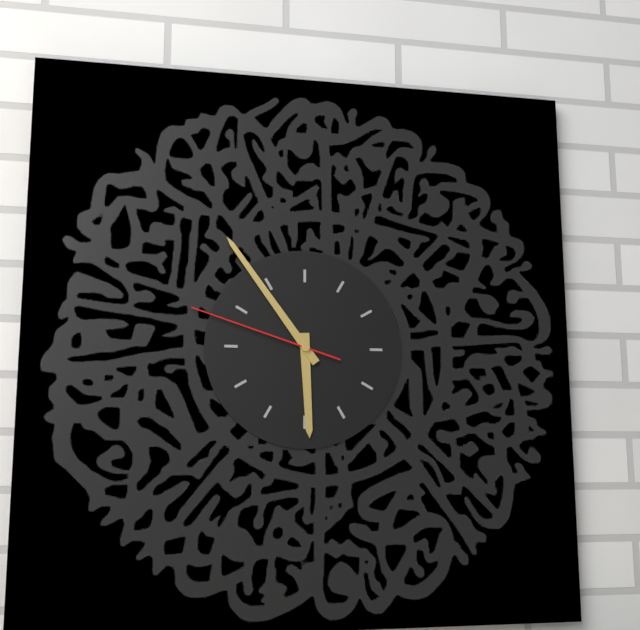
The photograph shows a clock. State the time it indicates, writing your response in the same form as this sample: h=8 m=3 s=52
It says h=5 m=54 s=48
